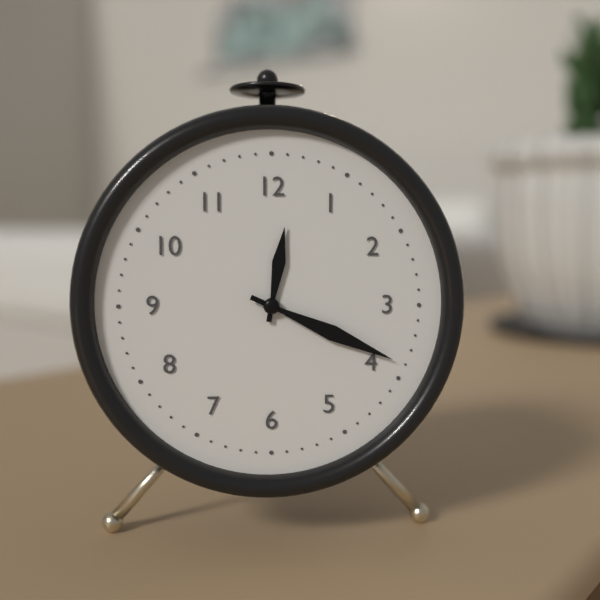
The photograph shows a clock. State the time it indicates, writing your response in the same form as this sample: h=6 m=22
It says h=12 m=19
